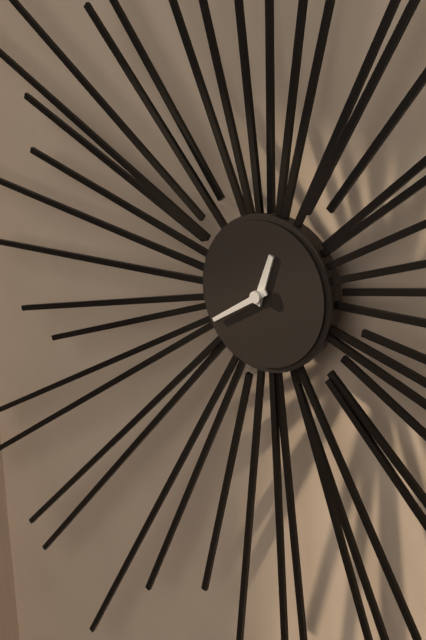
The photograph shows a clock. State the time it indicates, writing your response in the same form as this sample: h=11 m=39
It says h=12 m=40
